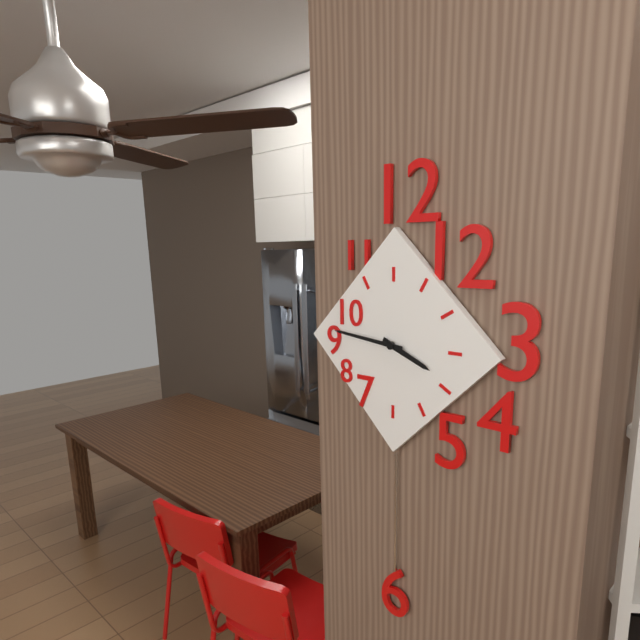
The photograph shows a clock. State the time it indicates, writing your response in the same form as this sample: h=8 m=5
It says h=3 m=46
